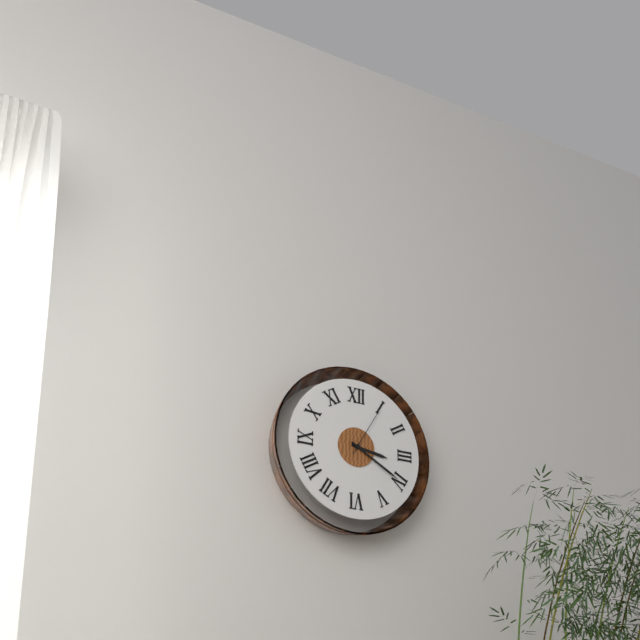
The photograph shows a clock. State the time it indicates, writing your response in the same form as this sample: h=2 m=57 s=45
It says h=3 m=20 s=5
